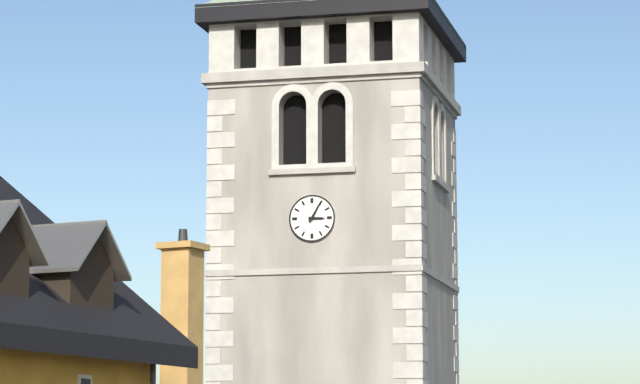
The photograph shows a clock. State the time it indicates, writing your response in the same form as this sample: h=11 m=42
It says h=3 m=5
